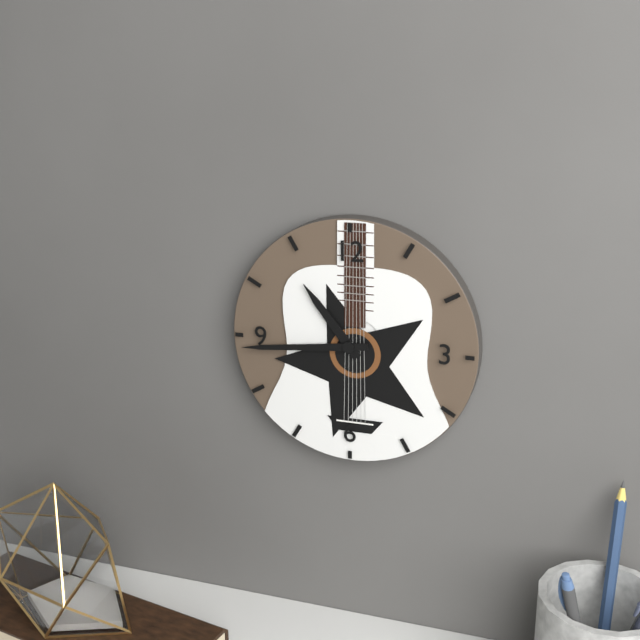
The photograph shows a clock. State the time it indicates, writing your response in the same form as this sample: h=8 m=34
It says h=10 m=44
